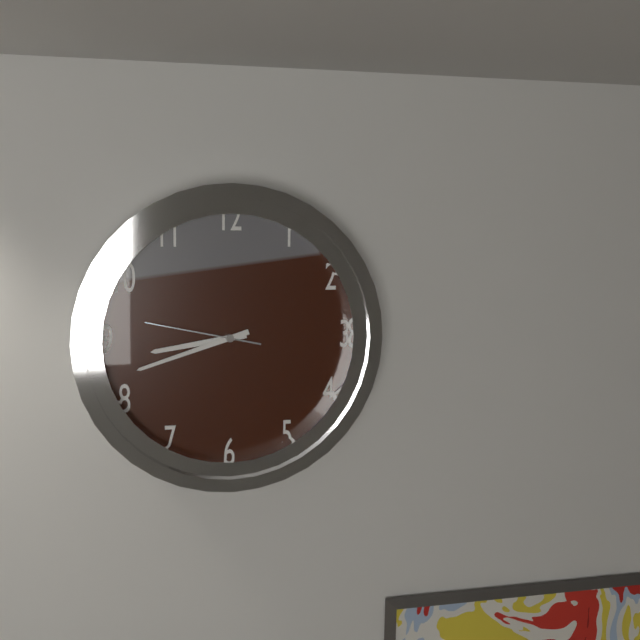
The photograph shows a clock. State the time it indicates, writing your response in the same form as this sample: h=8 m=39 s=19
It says h=8 m=42 s=47
